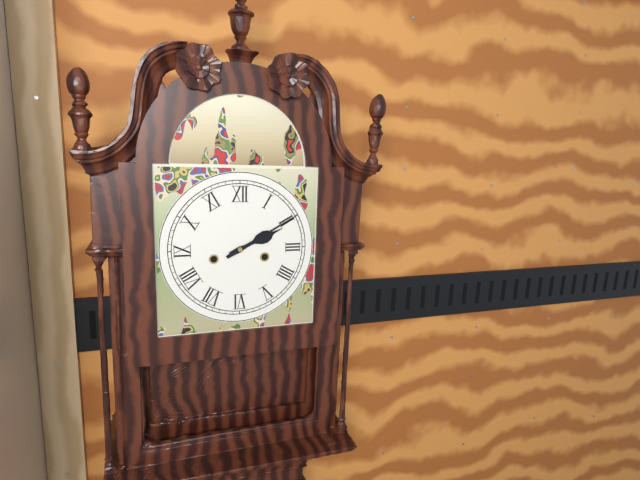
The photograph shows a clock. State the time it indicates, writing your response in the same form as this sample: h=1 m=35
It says h=2 m=10
